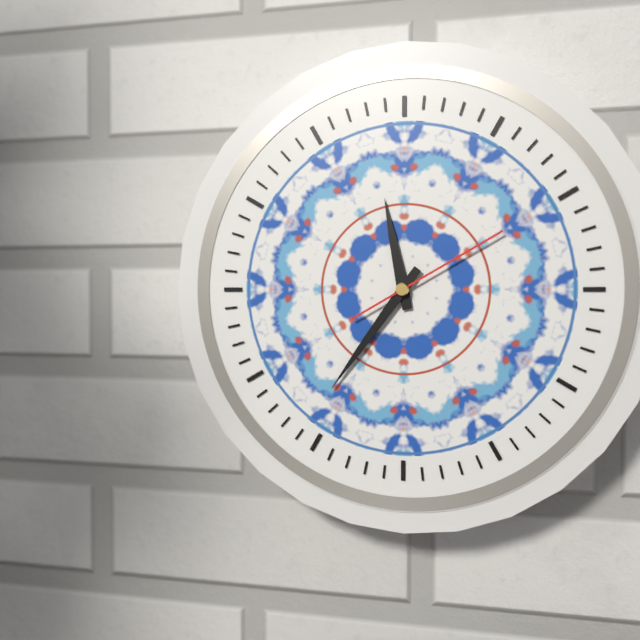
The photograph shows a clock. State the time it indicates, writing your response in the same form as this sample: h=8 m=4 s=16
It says h=11 m=36 s=10
